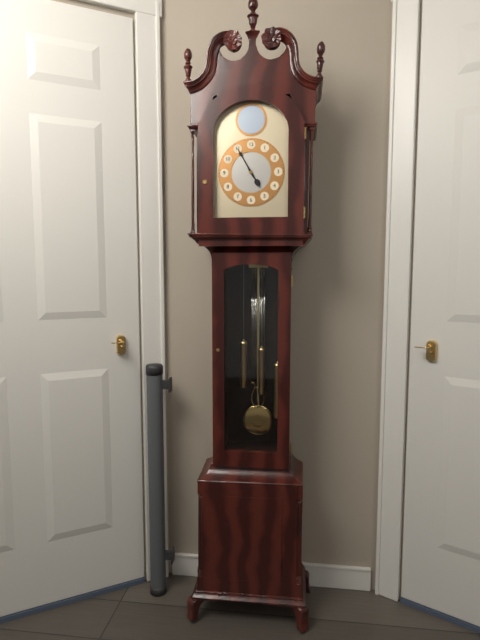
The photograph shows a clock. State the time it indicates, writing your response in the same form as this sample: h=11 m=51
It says h=4 m=55
